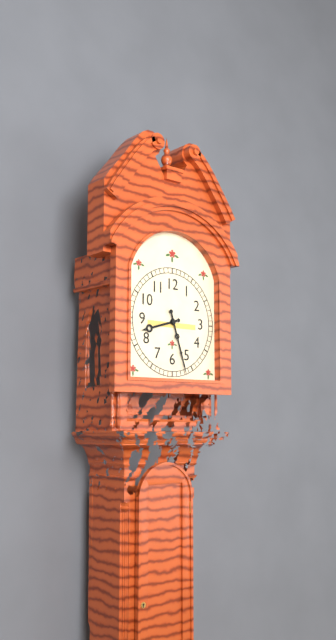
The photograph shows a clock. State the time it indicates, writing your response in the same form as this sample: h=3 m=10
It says h=8 m=27
